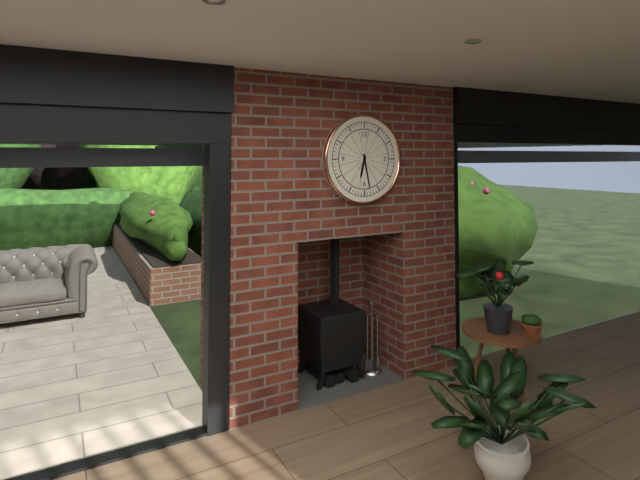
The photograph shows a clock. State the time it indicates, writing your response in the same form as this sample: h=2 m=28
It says h=6 m=28
